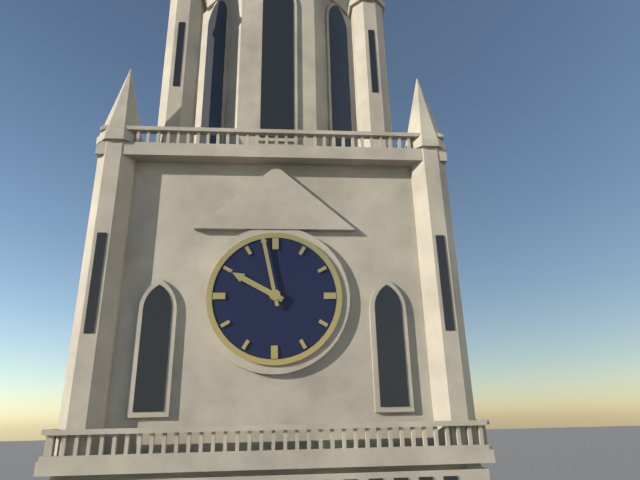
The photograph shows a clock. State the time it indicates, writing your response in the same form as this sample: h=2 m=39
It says h=9 m=58
